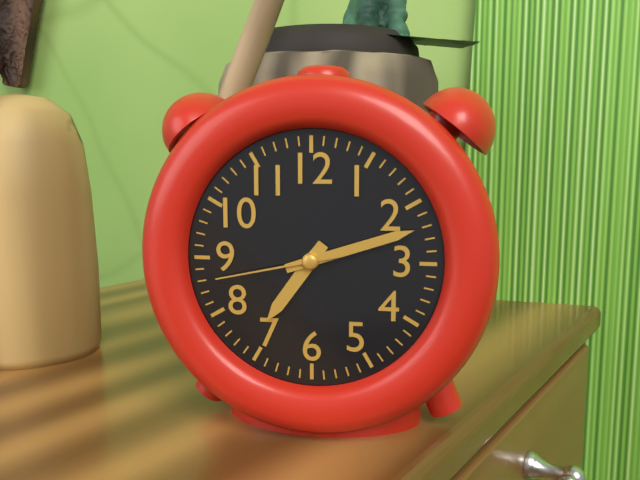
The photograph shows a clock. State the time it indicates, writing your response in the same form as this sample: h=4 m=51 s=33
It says h=7 m=12 s=43
